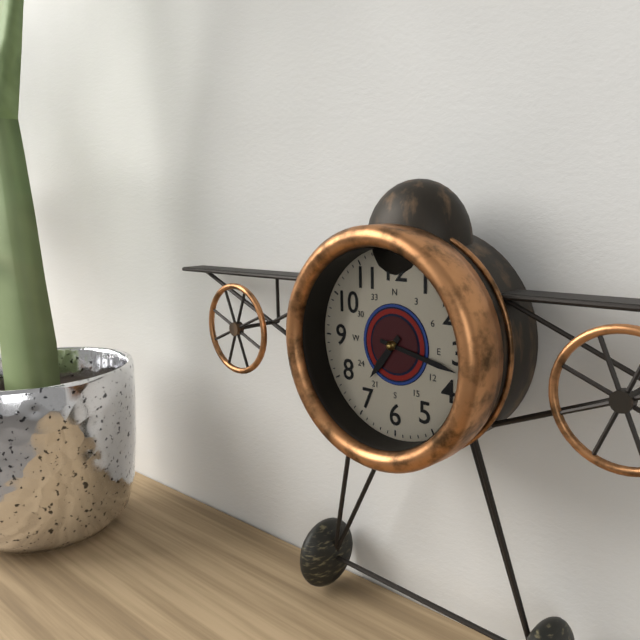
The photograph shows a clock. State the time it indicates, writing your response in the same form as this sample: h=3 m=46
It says h=7 m=17
